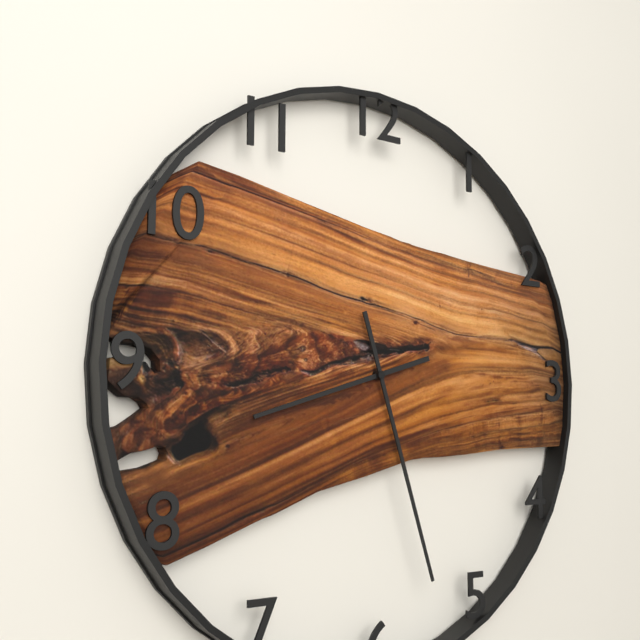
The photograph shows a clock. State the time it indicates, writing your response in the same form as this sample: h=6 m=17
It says h=8 m=27
